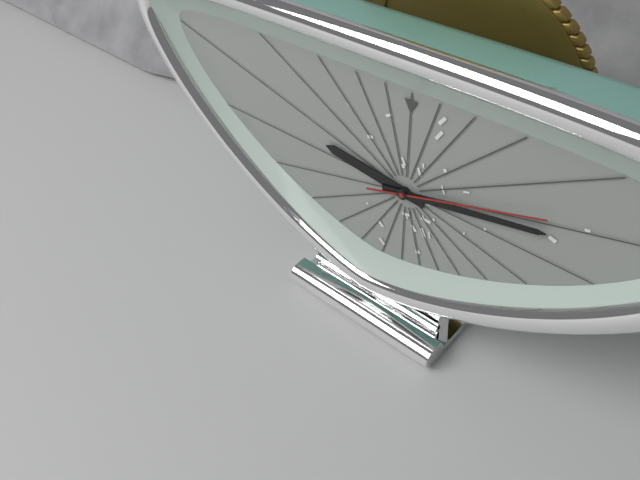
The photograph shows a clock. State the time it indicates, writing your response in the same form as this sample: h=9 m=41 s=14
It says h=9 m=13 s=12
